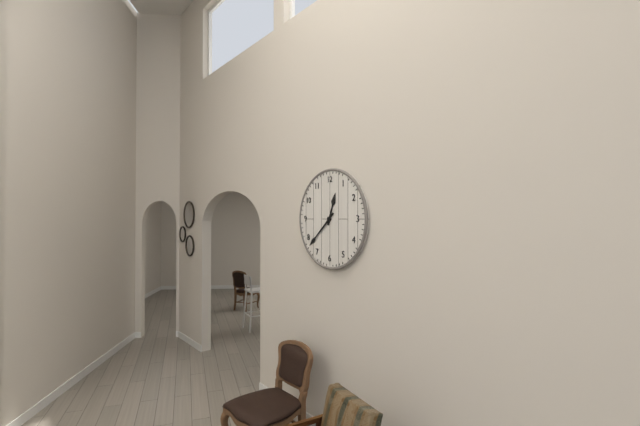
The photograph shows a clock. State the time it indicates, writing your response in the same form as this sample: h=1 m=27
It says h=12 m=38
